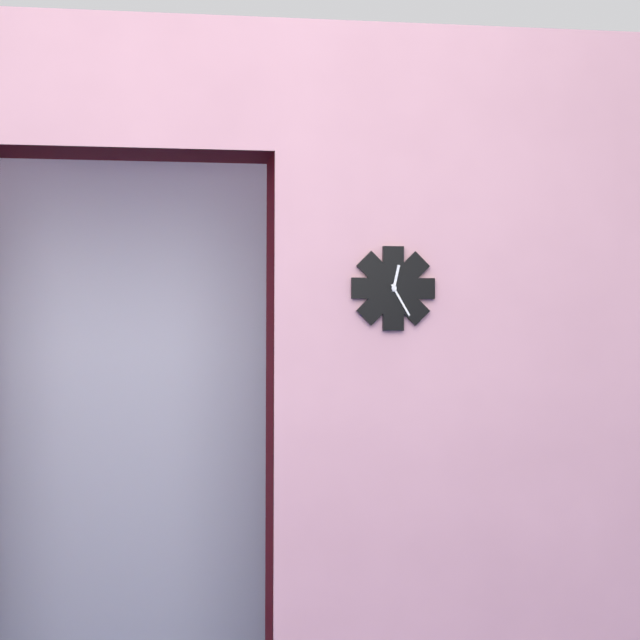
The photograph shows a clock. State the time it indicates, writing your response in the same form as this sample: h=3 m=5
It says h=12 m=25
